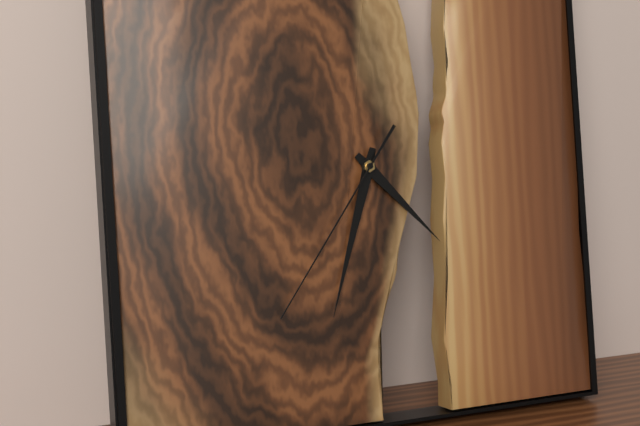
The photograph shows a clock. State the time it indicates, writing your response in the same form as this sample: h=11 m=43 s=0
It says h=4 m=33 s=36
